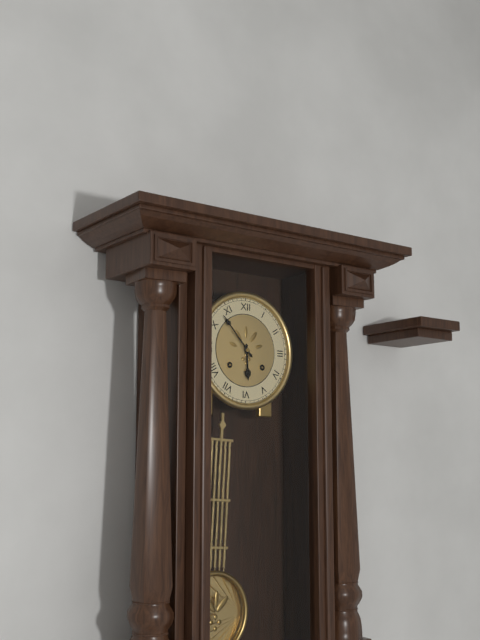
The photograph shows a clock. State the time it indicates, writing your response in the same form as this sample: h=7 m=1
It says h=5 m=53
